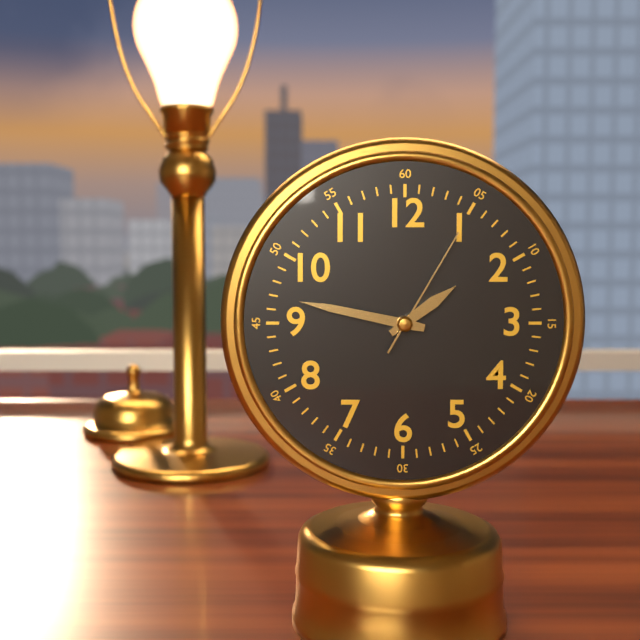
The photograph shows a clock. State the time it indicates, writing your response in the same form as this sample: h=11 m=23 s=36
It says h=1 m=47 s=5
